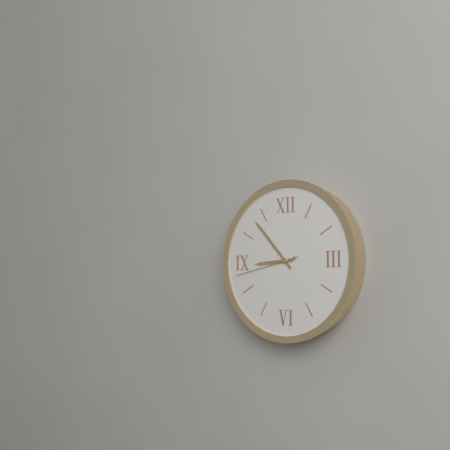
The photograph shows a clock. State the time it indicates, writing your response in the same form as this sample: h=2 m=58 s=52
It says h=8 m=53 s=43
